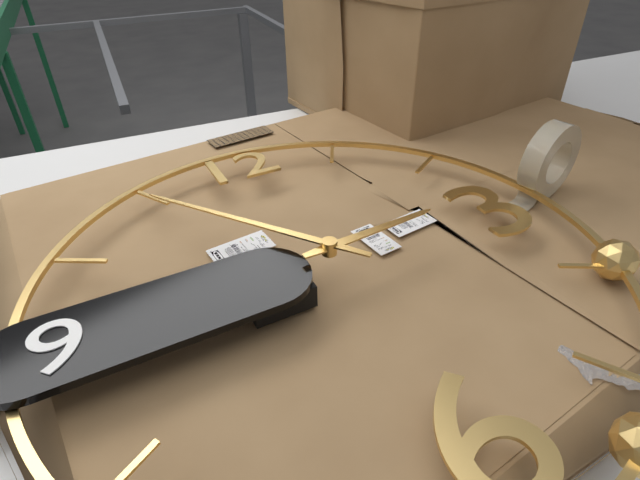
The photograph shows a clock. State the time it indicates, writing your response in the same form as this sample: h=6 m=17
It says h=2 m=54
